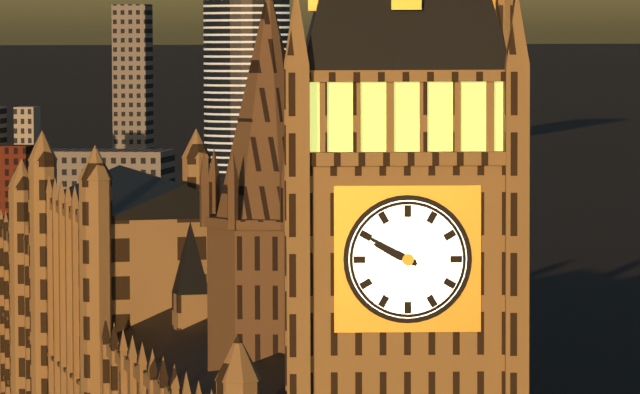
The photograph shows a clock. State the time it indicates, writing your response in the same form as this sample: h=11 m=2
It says h=9 m=50
